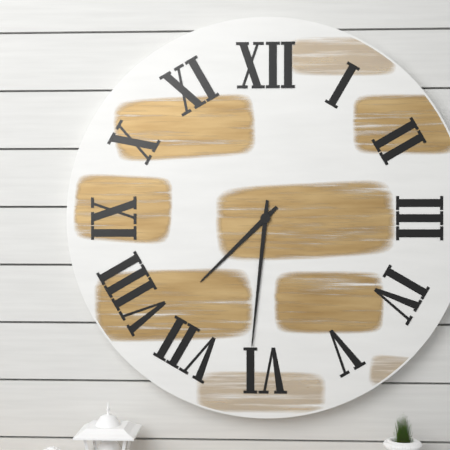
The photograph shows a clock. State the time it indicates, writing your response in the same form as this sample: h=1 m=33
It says h=7 m=31
